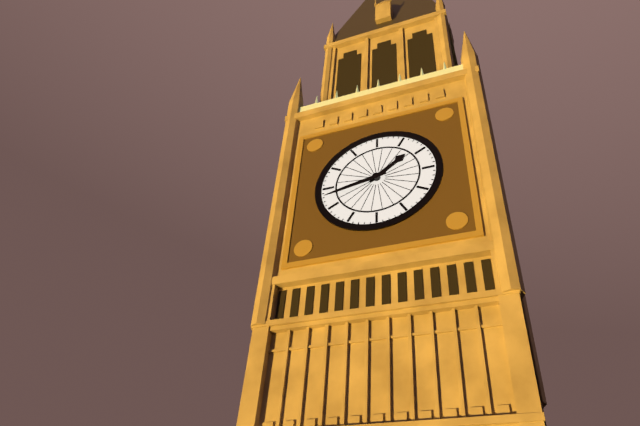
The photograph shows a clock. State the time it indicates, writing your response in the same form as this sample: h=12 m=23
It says h=1 m=43
